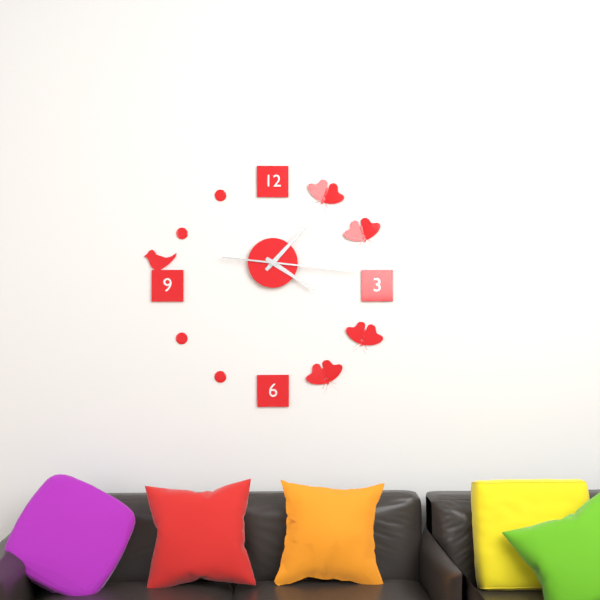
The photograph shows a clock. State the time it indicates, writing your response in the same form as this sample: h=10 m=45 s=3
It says h=4 m=7 s=16
